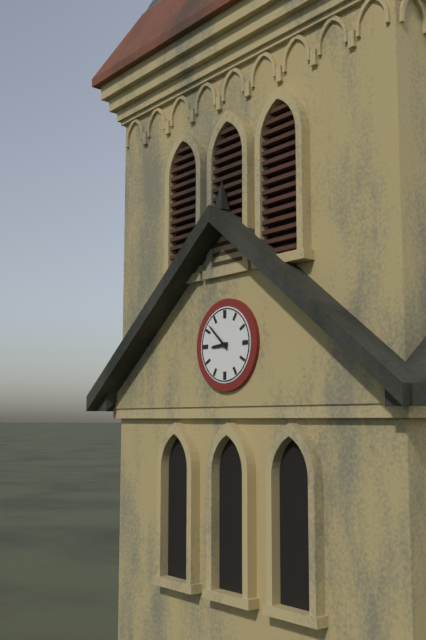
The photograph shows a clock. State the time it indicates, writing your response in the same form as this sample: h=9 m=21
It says h=8 m=52
